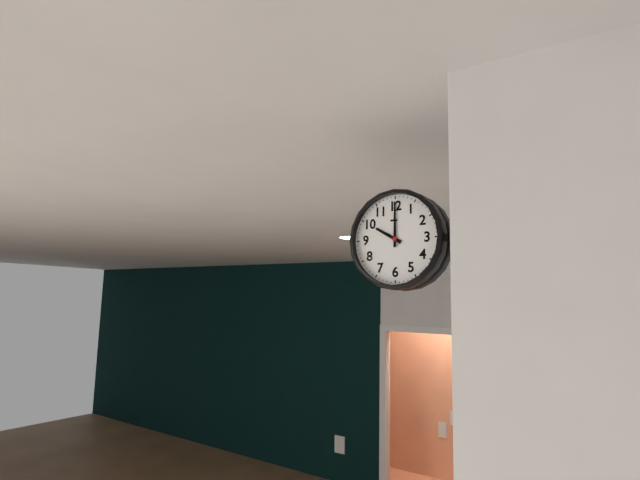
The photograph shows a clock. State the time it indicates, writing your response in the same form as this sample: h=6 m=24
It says h=10 m=0
